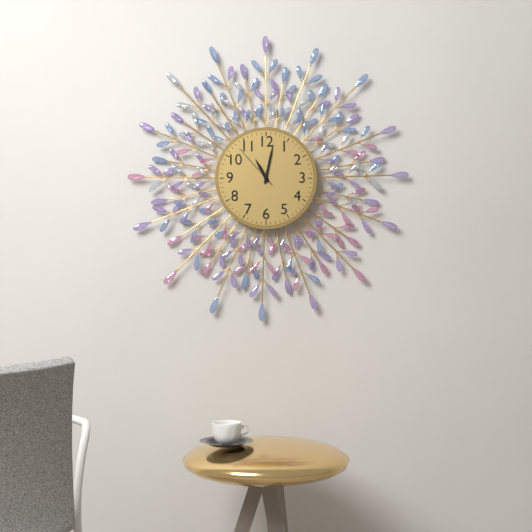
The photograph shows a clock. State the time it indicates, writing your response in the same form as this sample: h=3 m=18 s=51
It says h=11 m=2 s=53
